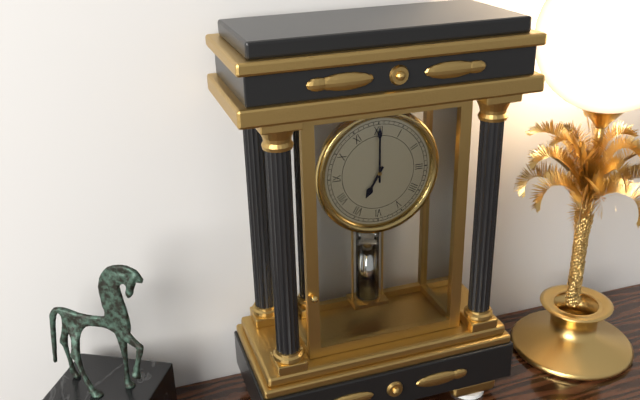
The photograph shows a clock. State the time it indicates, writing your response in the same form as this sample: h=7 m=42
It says h=7 m=0
